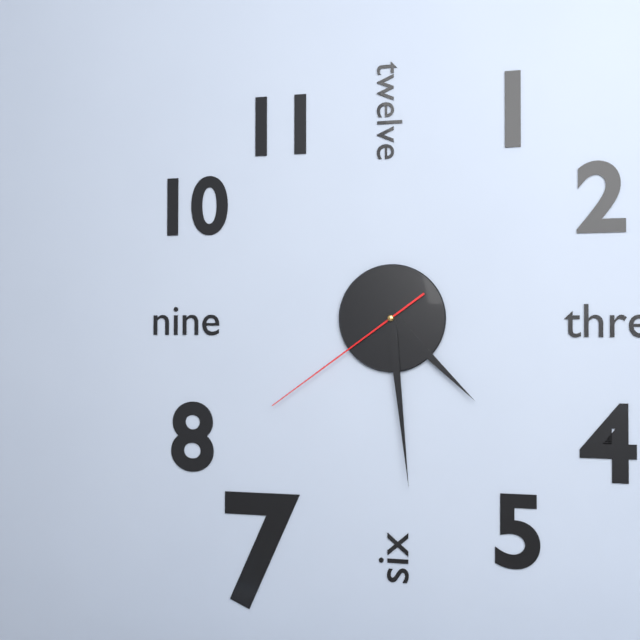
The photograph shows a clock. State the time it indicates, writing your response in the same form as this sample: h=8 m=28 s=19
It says h=4 m=29 s=39
